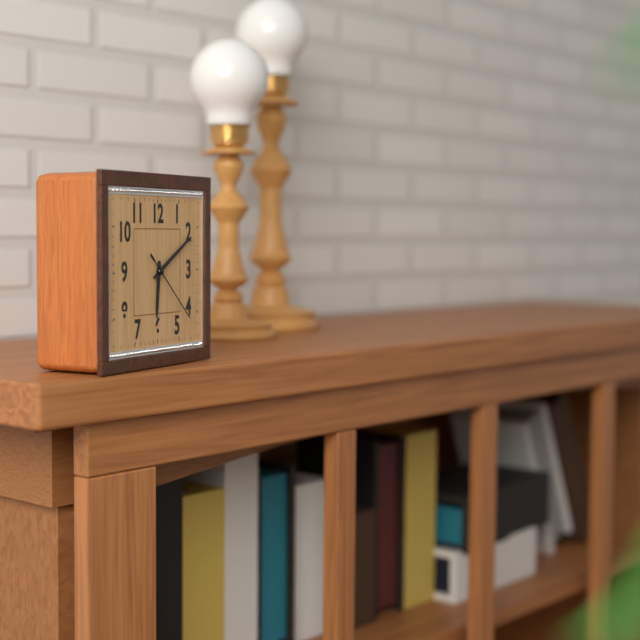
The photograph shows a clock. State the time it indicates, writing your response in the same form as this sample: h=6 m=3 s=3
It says h=6 m=10 s=22
